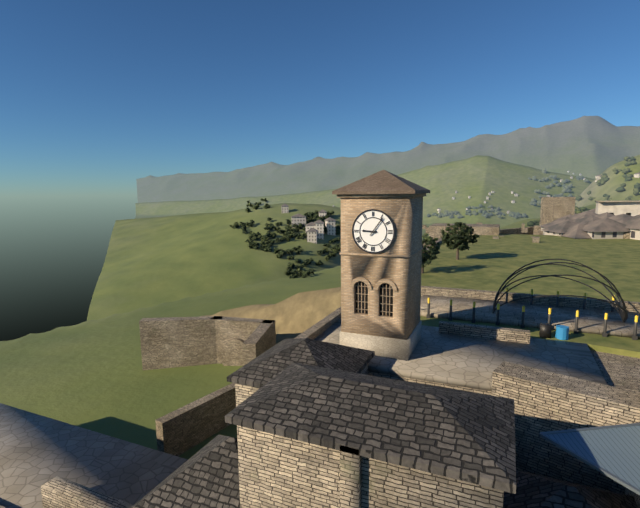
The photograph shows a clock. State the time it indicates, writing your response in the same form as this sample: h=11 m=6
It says h=9 m=6
